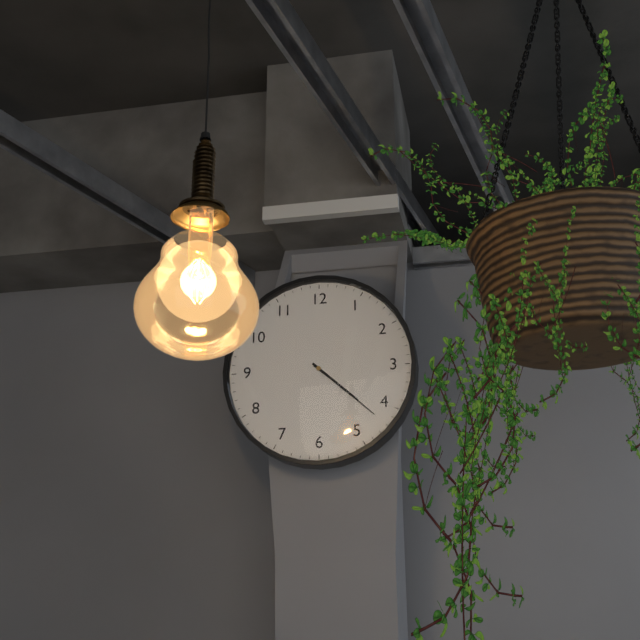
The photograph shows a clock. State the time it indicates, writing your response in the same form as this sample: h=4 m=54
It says h=4 m=22
